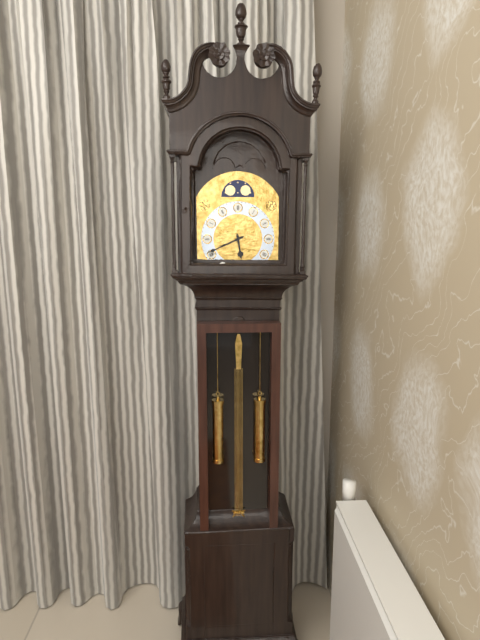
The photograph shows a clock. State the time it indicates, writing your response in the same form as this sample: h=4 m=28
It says h=5 m=41
